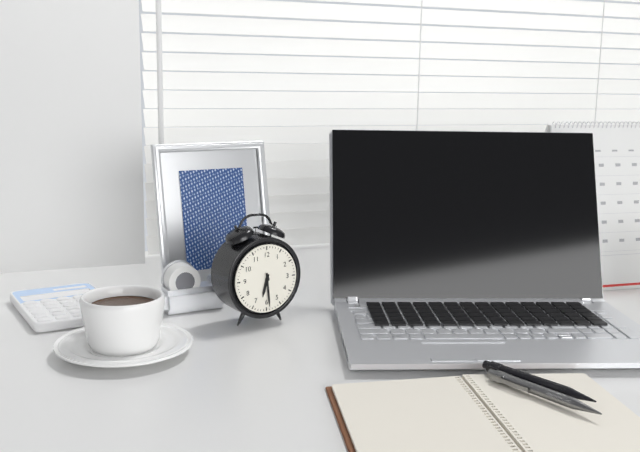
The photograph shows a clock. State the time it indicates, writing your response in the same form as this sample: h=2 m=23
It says h=6 m=29
